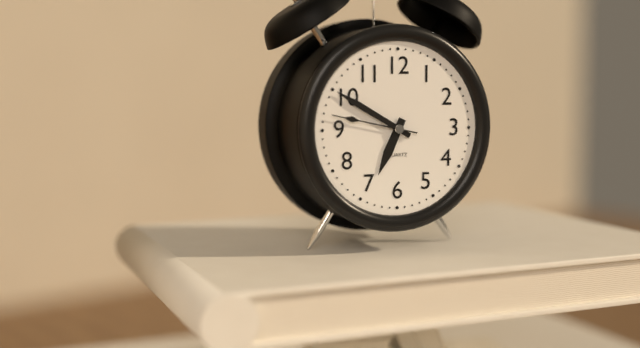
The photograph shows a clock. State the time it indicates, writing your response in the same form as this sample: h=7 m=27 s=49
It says h=6 m=50 s=47
